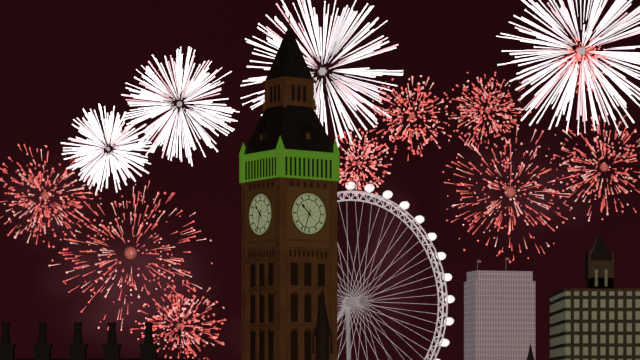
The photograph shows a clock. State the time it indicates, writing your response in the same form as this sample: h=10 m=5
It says h=10 m=33
